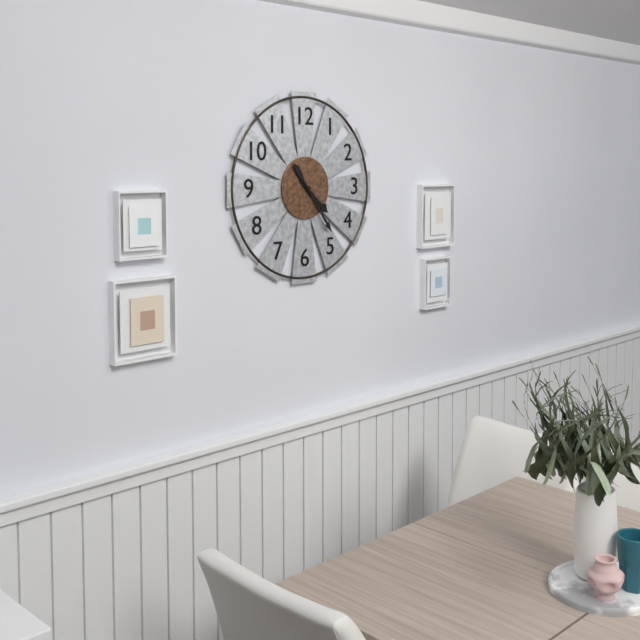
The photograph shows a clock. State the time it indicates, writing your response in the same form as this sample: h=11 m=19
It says h=4 m=24
